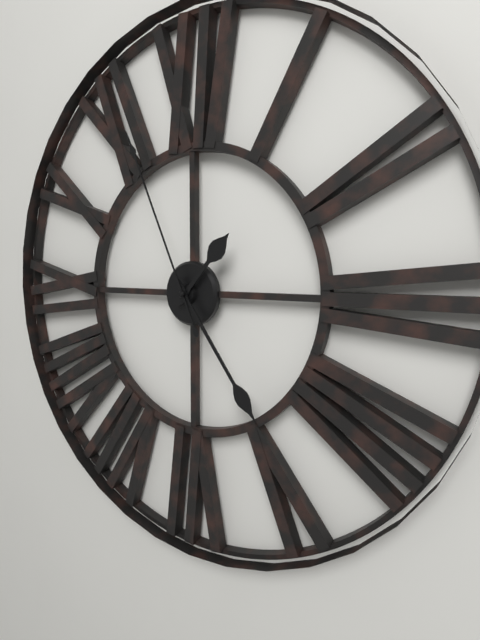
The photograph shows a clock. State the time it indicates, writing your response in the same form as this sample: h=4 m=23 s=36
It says h=1 m=24 s=56
